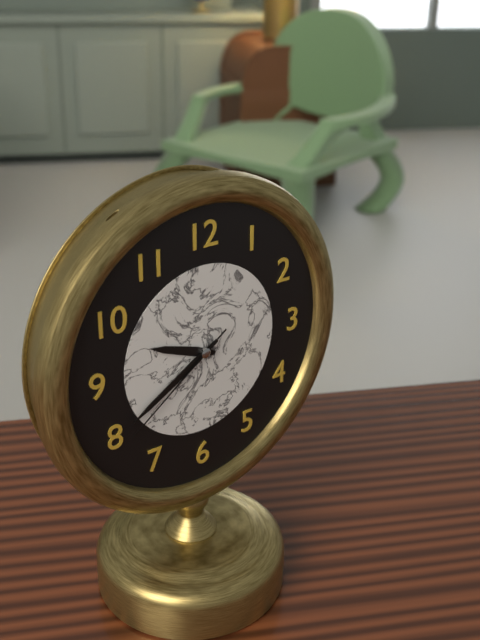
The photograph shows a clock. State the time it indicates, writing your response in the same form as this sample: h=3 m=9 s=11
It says h=9 m=40 s=39
